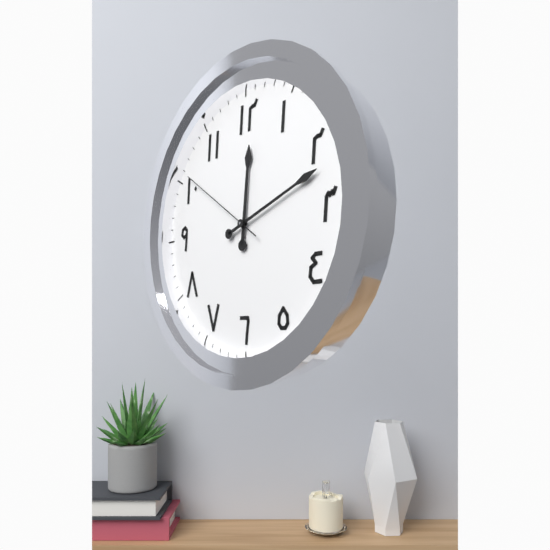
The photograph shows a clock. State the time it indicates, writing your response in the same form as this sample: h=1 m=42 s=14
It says h=12 m=12 s=51
